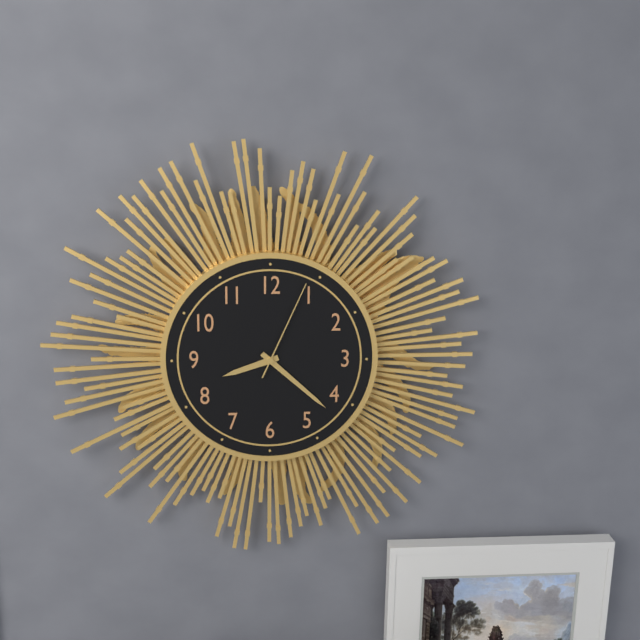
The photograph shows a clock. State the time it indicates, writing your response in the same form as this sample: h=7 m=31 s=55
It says h=8 m=22 s=4
